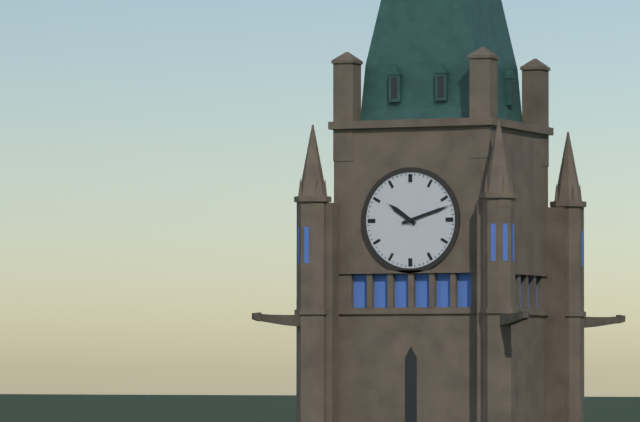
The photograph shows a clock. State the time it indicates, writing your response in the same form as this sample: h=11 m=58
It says h=10 m=12
